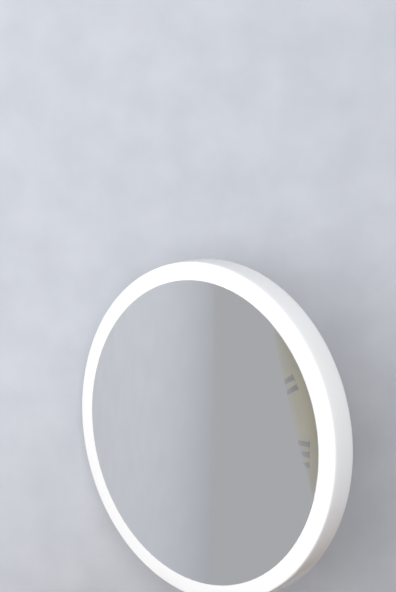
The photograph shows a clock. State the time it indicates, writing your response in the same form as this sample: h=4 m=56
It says h=11 m=41
